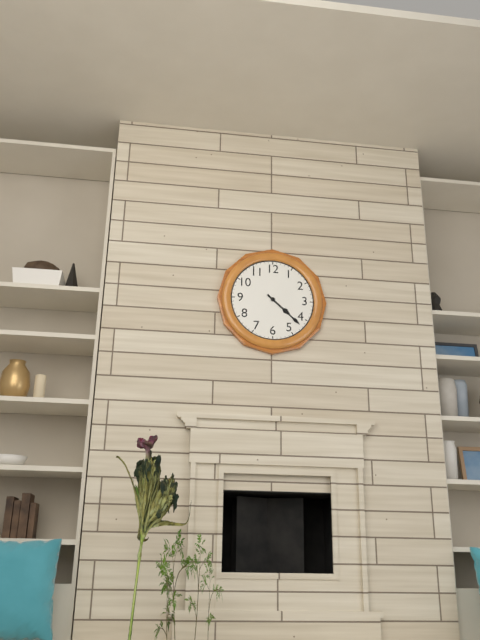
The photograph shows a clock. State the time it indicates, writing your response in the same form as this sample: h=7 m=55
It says h=4 m=22
